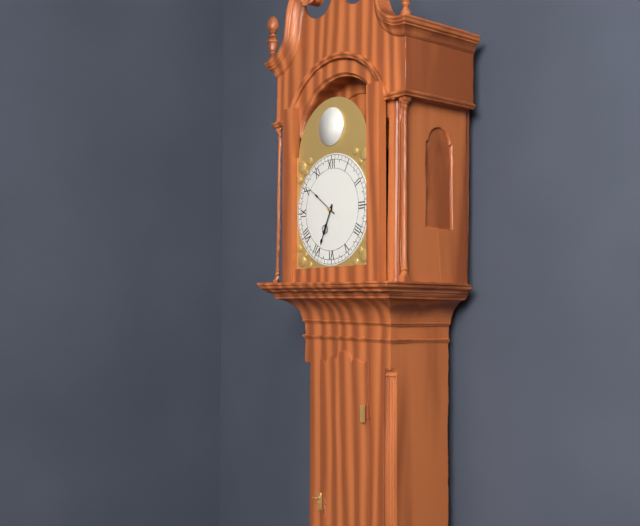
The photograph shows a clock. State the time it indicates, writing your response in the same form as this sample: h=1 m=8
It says h=6 m=51
